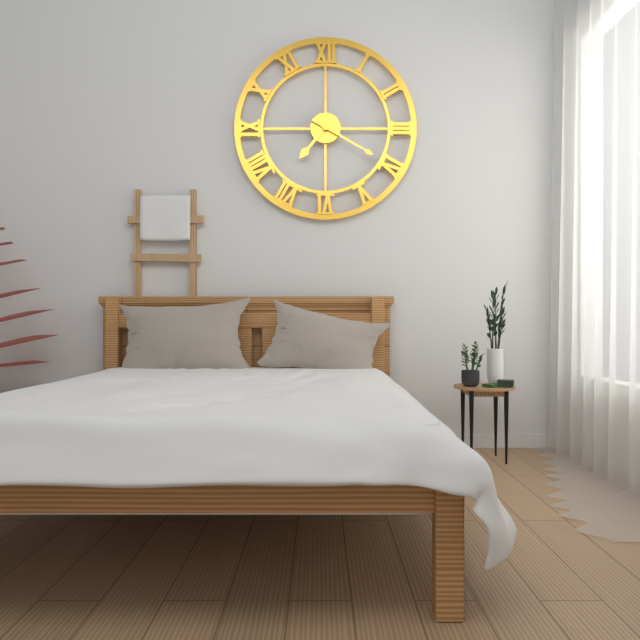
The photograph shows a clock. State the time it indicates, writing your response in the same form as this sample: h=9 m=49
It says h=7 m=20
